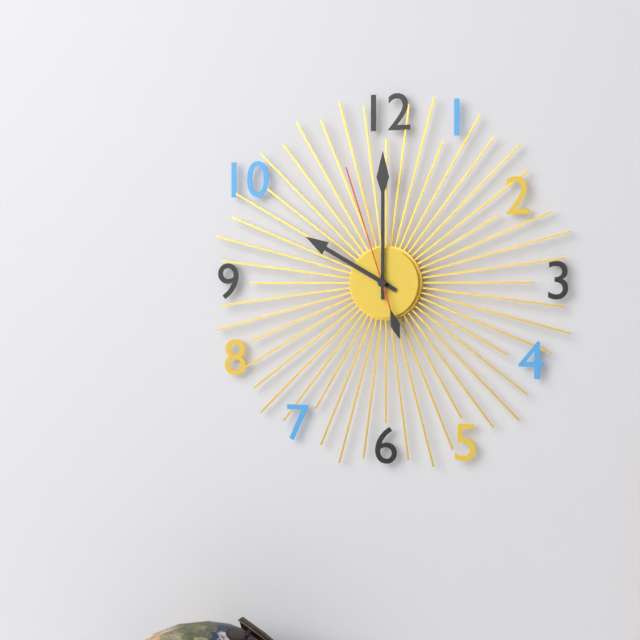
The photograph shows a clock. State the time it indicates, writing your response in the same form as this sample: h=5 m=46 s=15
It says h=10 m=0 s=57
